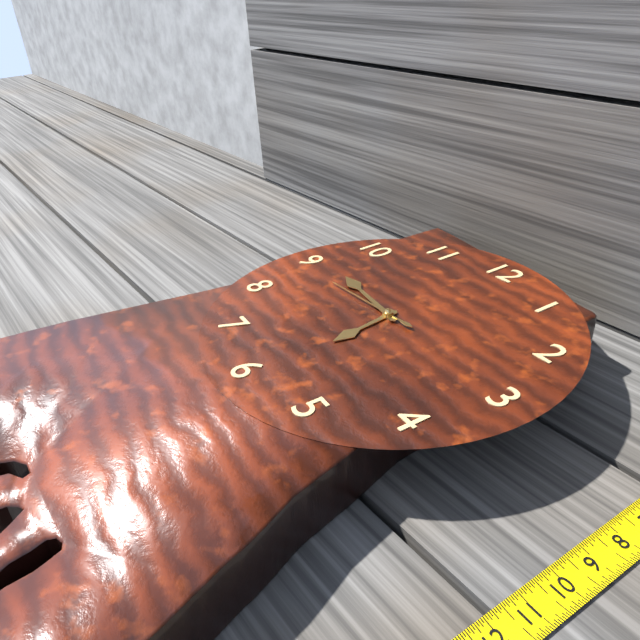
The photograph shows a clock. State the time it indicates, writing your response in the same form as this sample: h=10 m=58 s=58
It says h=5 m=46 s=44
